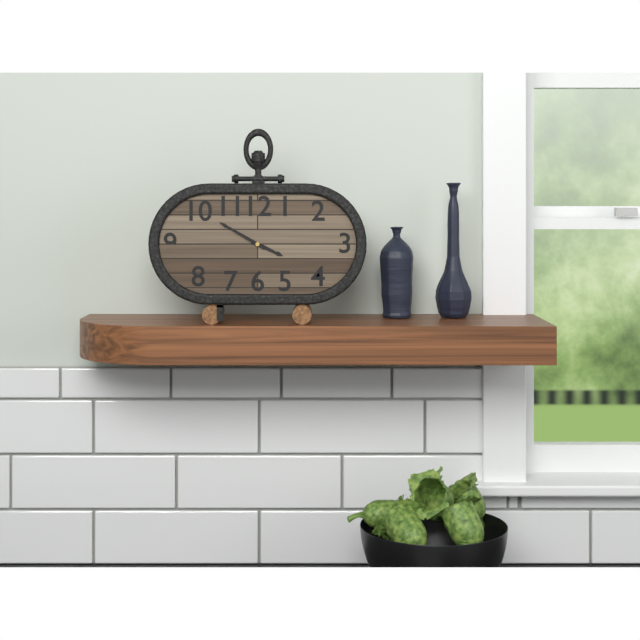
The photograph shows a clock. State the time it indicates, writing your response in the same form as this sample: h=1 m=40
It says h=3 m=50
